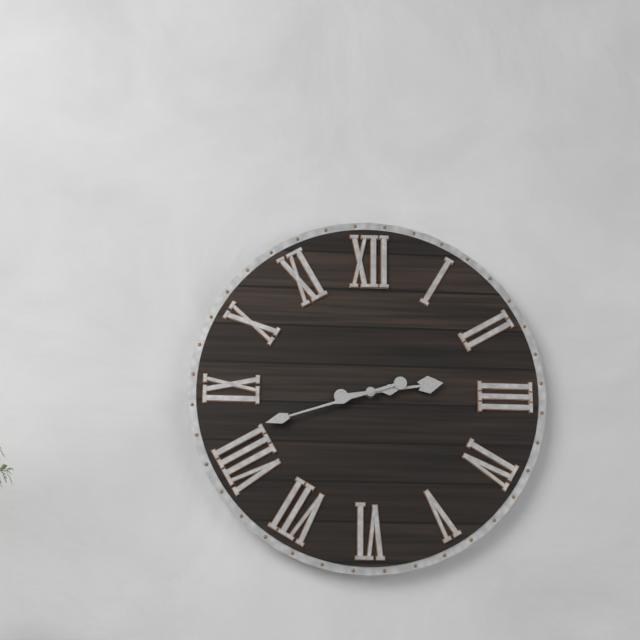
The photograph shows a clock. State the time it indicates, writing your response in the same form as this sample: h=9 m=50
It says h=2 m=42
